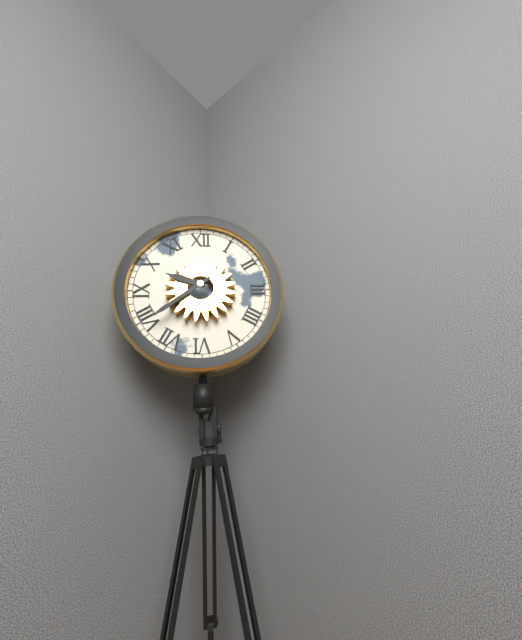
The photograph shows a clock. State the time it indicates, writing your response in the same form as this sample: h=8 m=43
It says h=9 m=39
